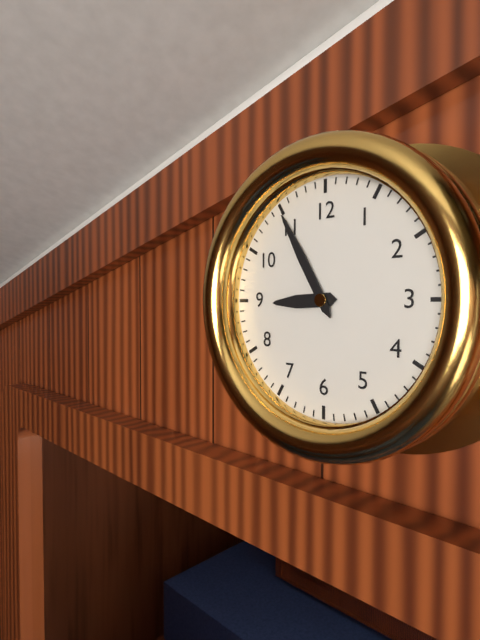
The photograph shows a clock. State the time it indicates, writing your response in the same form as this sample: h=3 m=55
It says h=8 m=55
